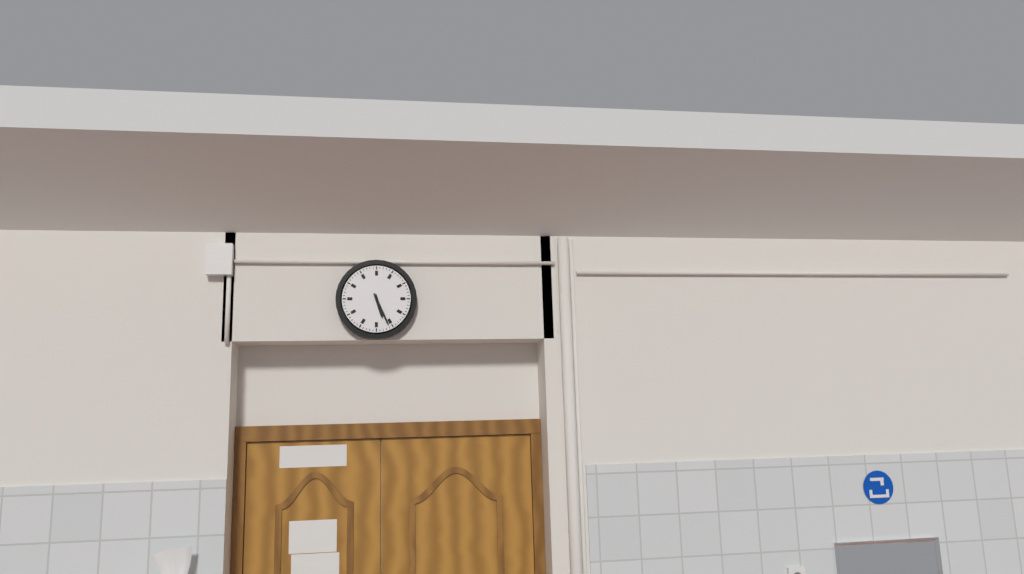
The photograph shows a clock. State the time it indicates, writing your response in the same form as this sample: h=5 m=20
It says h=5 m=26
